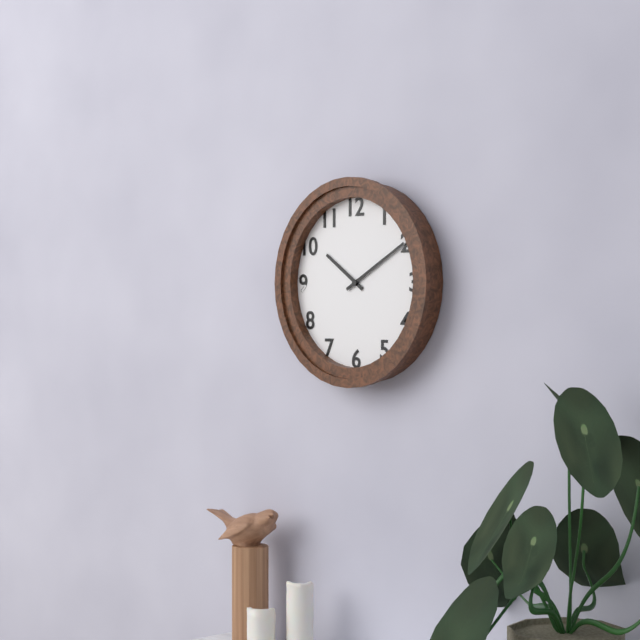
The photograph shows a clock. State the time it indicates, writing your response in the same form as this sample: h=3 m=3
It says h=10 m=10
